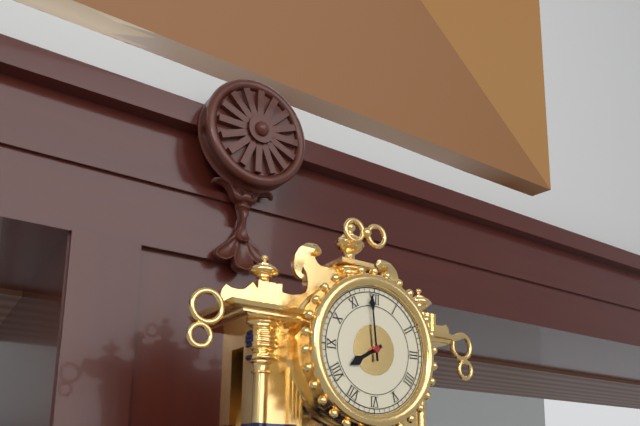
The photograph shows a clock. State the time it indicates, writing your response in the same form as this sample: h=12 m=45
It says h=7 m=59
